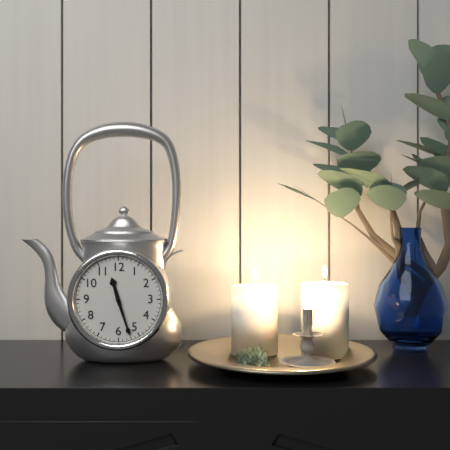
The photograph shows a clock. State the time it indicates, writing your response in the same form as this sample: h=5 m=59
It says h=11 m=27
